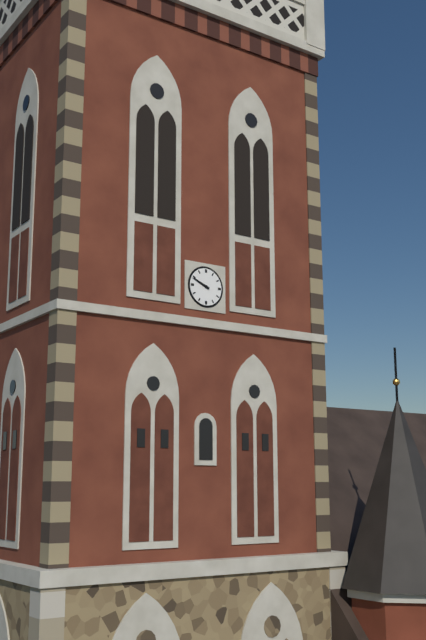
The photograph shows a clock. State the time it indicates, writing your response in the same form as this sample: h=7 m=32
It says h=9 m=49
